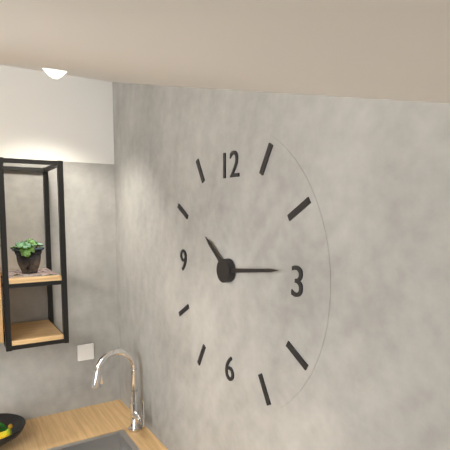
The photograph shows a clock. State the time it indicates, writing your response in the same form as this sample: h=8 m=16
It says h=10 m=14
